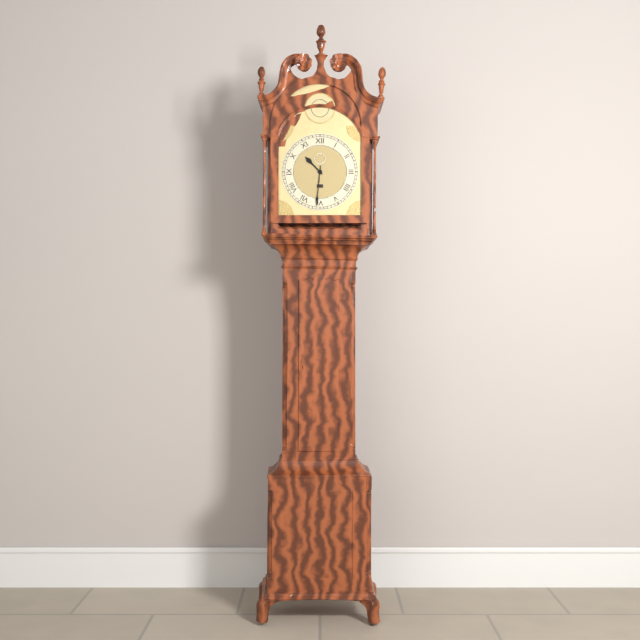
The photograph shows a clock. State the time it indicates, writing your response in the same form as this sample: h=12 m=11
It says h=10 m=31
